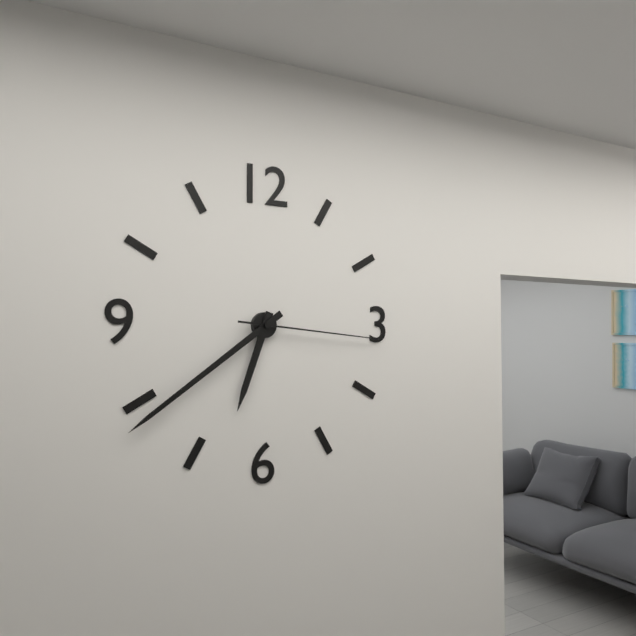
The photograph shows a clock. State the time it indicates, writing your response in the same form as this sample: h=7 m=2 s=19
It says h=6 m=39 s=16
